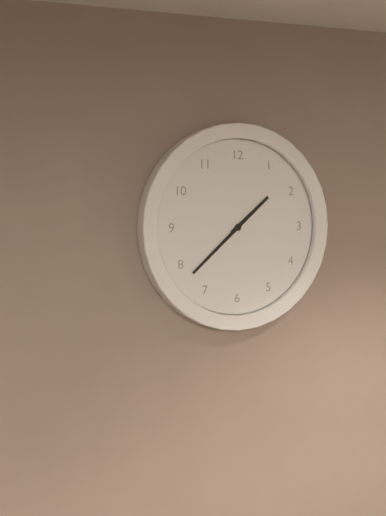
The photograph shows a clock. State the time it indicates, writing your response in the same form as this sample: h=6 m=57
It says h=1 m=38
